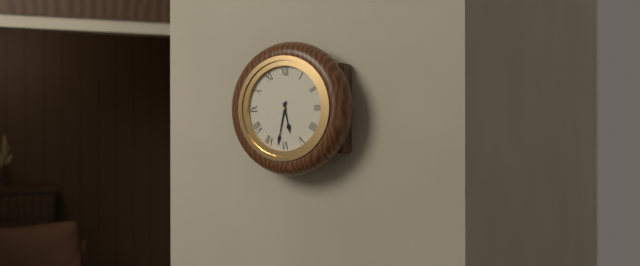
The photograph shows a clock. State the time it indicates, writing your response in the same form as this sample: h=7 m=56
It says h=5 m=32
